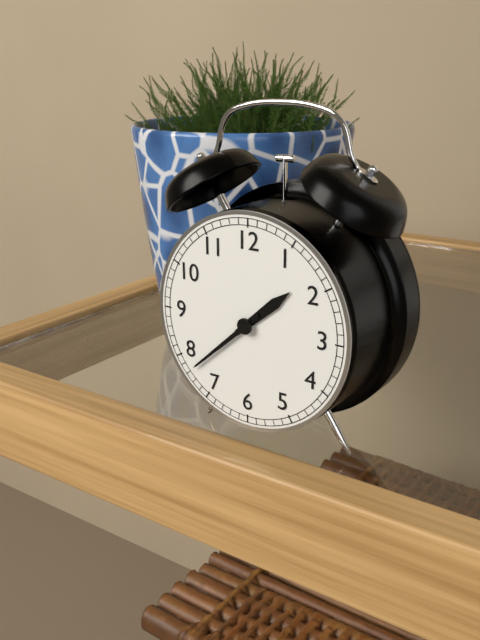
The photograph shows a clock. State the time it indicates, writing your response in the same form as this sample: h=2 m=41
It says h=1 m=38
